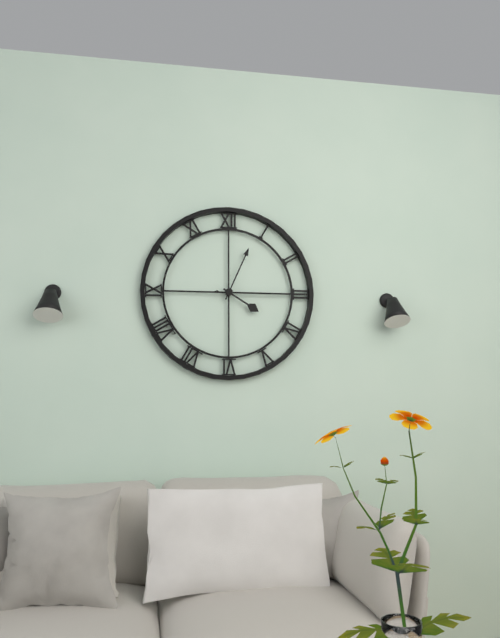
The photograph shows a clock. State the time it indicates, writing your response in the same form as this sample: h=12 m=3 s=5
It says h=4 m=4 s=15
